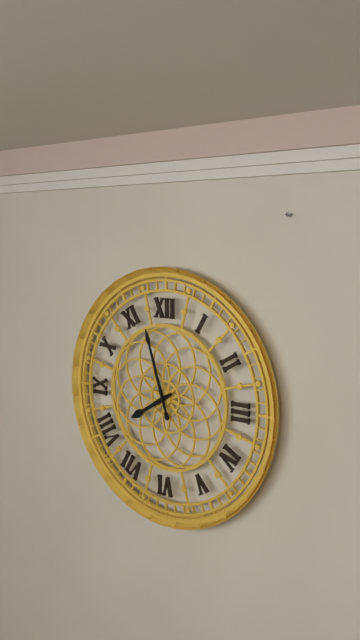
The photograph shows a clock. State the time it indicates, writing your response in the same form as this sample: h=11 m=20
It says h=7 m=57
